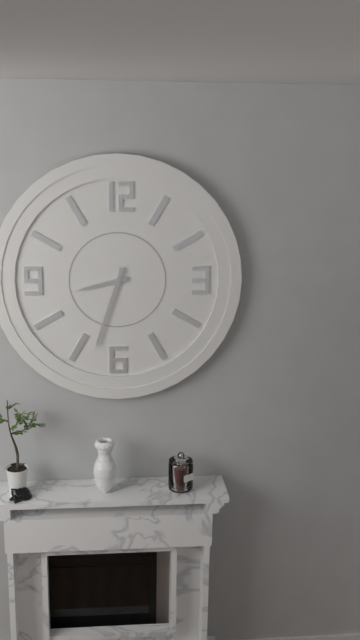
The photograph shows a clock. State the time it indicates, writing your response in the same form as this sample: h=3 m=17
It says h=8 m=33
